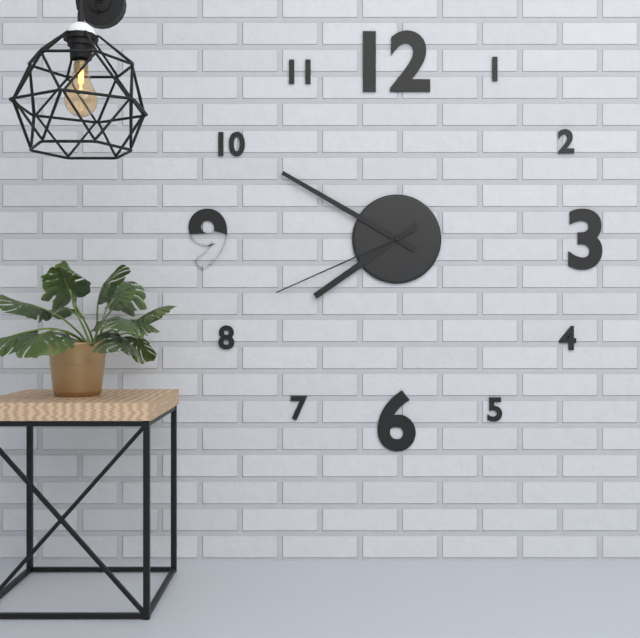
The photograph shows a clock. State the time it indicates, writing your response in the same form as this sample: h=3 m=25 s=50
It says h=7 m=50 s=41
